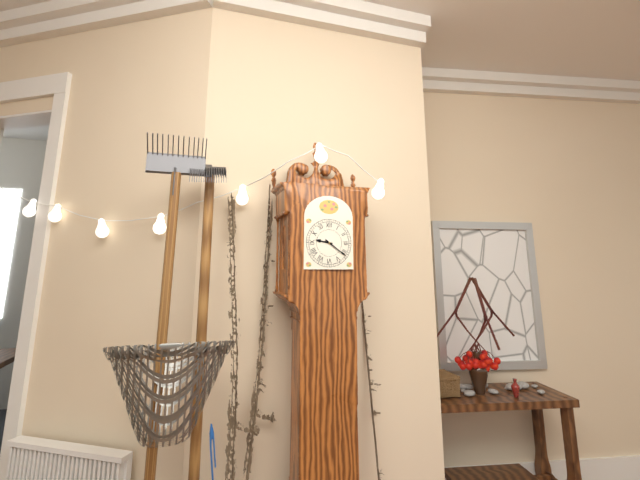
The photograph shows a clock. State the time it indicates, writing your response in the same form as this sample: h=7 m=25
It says h=9 m=21
